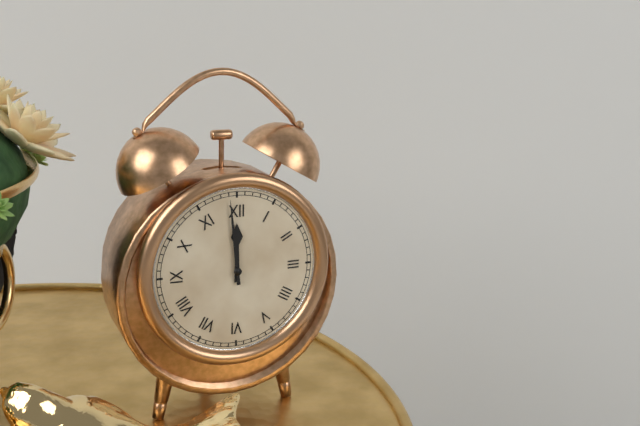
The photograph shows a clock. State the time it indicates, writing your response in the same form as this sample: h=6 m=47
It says h=11 m=59
